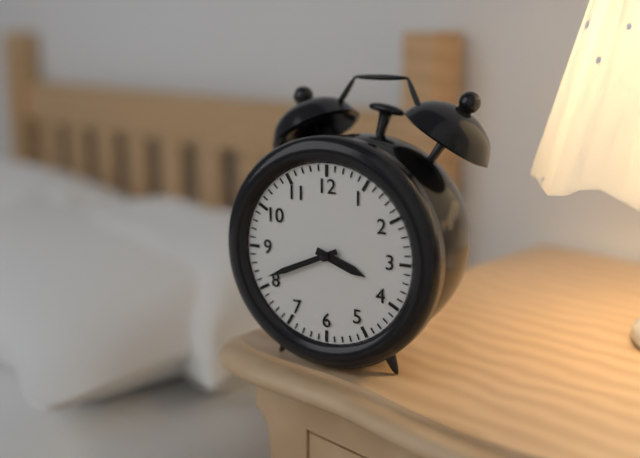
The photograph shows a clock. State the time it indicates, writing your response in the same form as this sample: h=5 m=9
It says h=3 m=41
